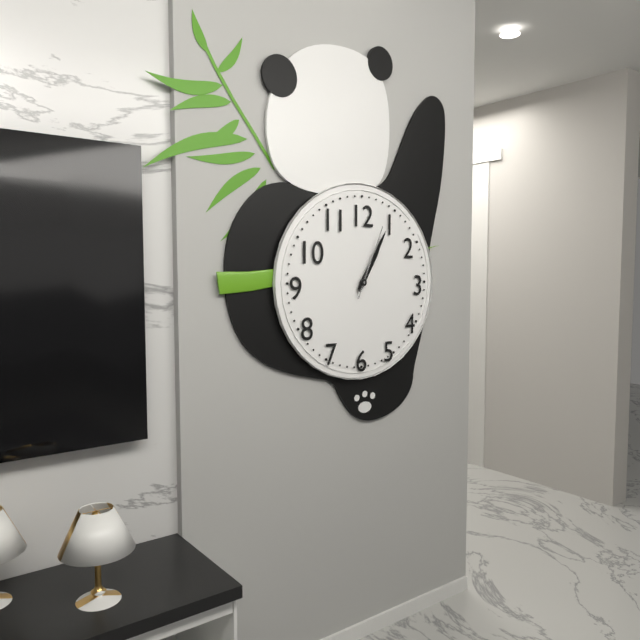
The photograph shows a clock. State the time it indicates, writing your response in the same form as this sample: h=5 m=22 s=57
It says h=1 m=5 s=4
